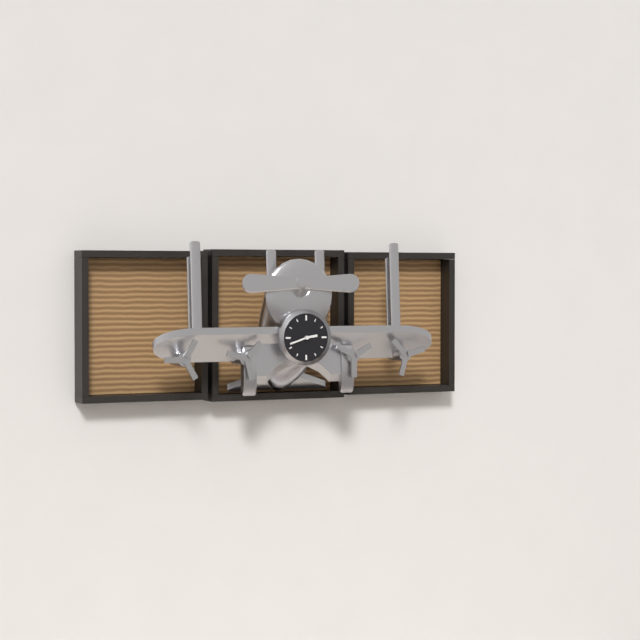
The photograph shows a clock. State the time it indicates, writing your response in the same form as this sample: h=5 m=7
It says h=2 m=42
